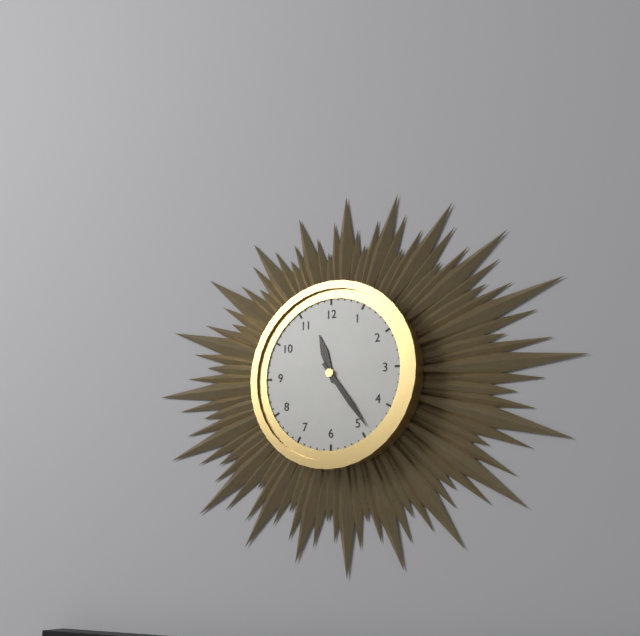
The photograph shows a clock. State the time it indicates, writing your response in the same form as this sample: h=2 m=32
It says h=11 m=24
